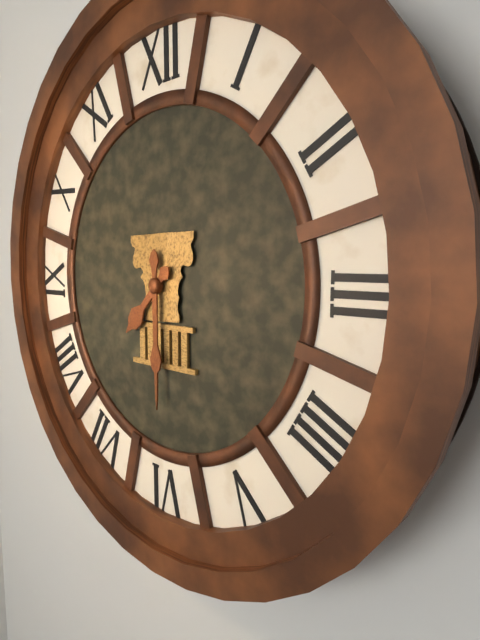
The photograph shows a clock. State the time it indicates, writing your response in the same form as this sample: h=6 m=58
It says h=7 m=30
